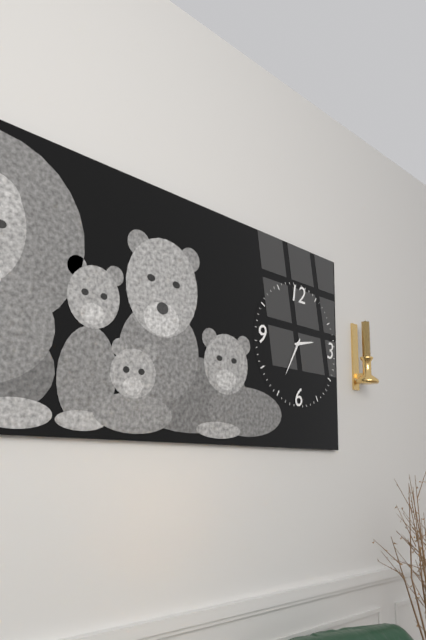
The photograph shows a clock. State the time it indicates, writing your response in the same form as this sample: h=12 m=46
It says h=2 m=35
